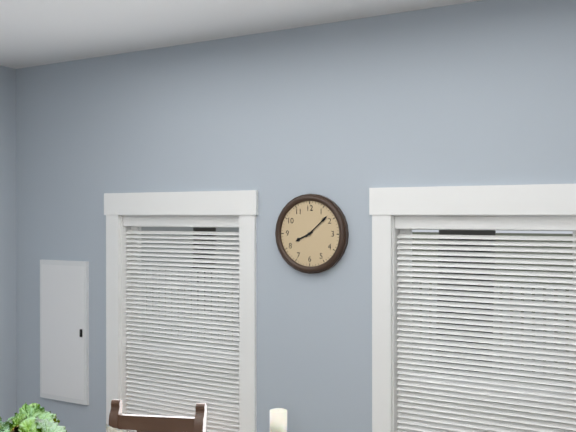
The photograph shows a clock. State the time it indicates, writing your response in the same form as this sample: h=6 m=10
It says h=8 m=8
